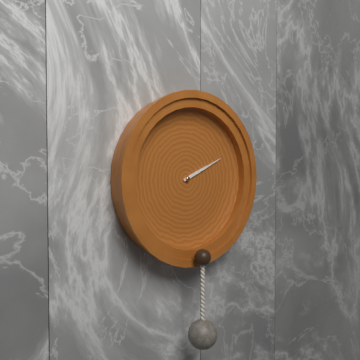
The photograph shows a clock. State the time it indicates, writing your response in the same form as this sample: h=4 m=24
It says h=2 m=11
